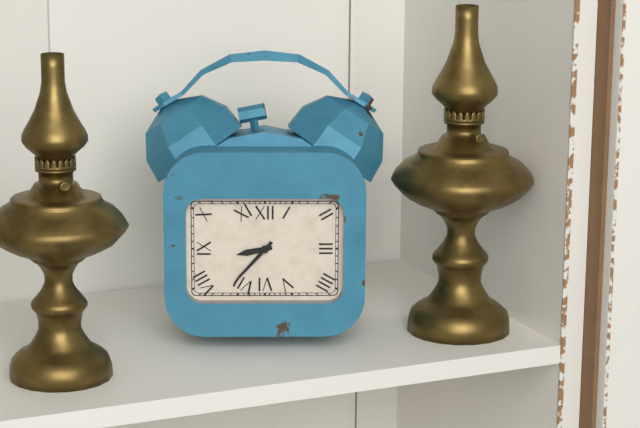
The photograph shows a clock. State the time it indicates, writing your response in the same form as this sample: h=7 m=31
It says h=8 m=37
